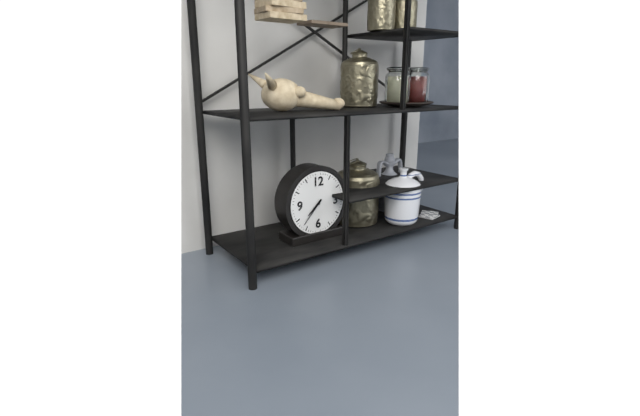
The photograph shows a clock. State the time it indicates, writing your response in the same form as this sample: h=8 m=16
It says h=7 m=37
